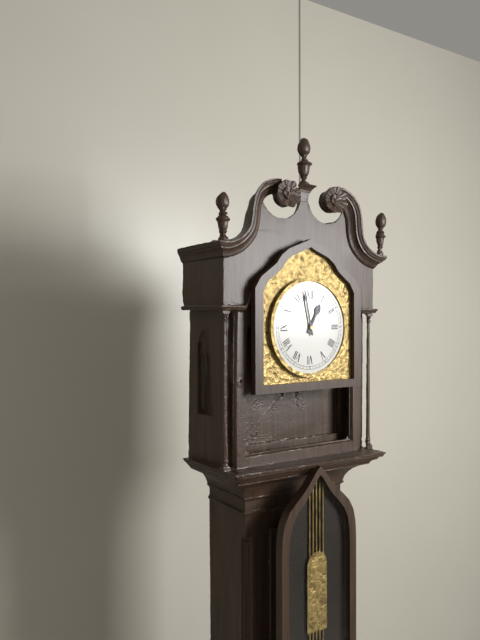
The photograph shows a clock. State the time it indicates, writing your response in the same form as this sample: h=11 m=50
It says h=12 m=58
